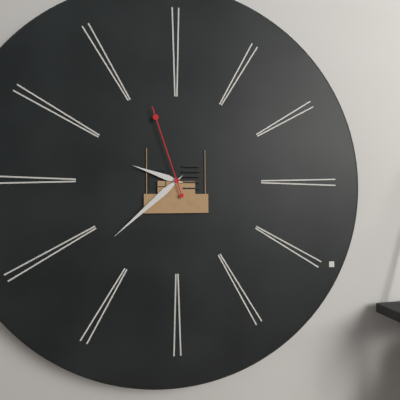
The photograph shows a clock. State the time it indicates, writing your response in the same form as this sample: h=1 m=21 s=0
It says h=9 m=38 s=57
